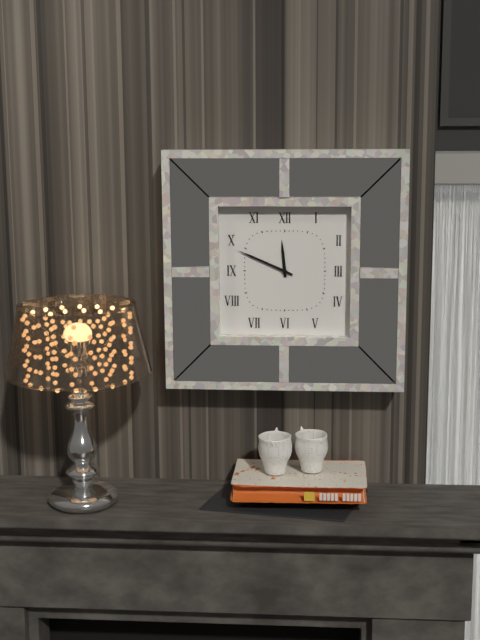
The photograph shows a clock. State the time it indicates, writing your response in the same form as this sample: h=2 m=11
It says h=11 m=49
